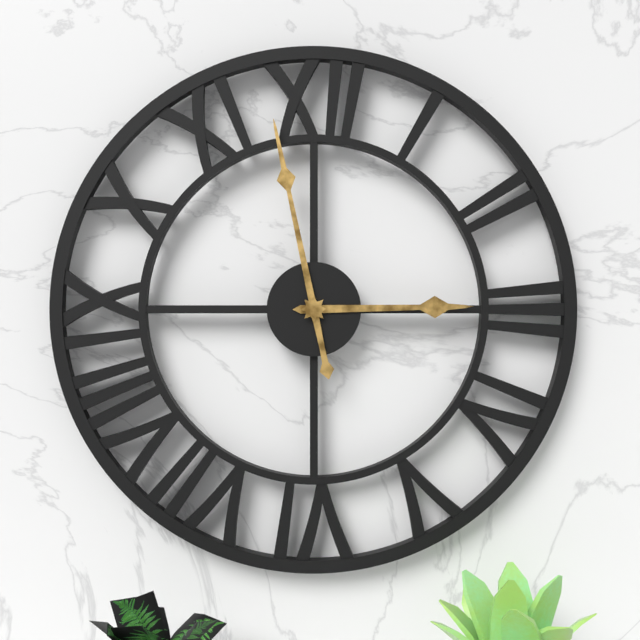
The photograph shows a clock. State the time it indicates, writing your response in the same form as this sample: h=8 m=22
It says h=2 m=58
